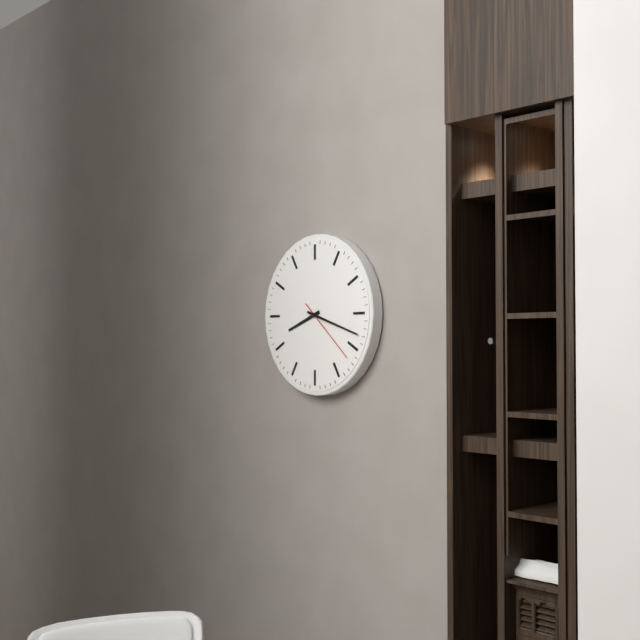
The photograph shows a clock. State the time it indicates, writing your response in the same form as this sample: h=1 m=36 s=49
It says h=8 m=18 s=22
